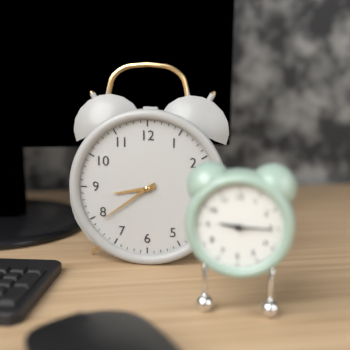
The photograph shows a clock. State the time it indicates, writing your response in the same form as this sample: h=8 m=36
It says h=8 m=39
